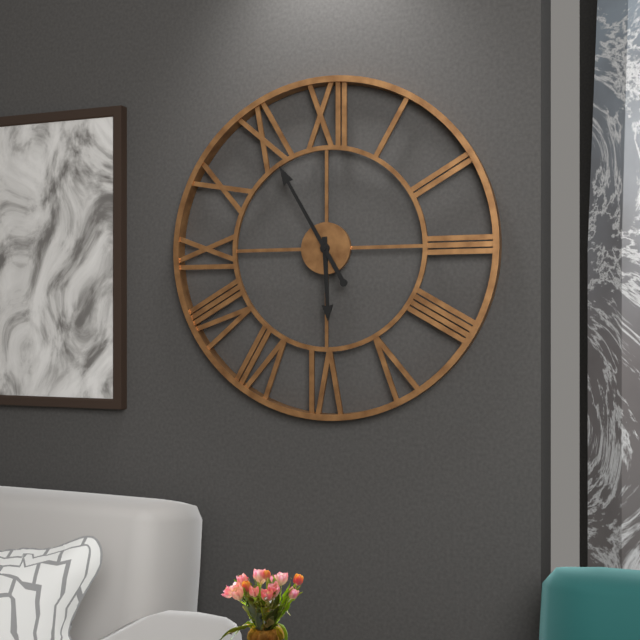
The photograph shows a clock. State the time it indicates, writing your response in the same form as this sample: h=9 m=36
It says h=5 m=55
